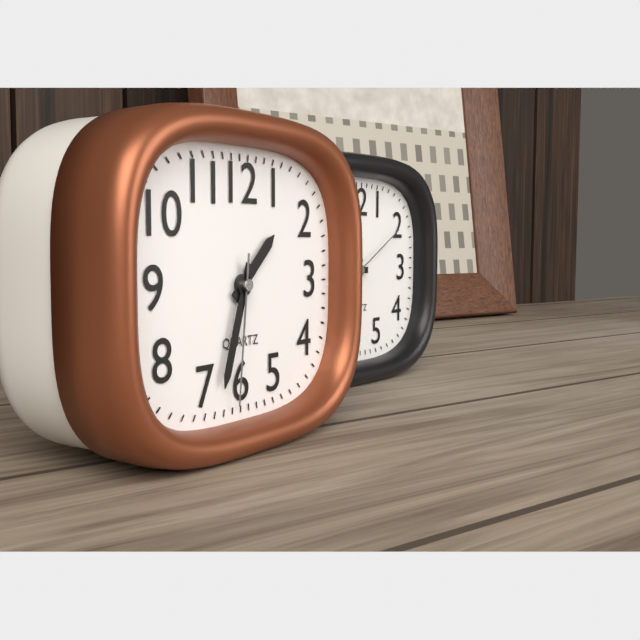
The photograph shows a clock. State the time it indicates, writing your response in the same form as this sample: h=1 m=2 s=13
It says h=1 m=33 s=31
